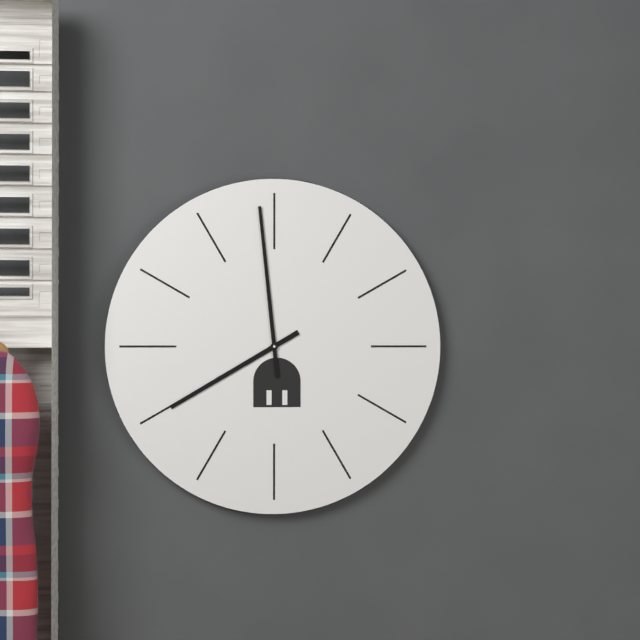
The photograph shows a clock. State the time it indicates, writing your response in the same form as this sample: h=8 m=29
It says h=7 m=59
